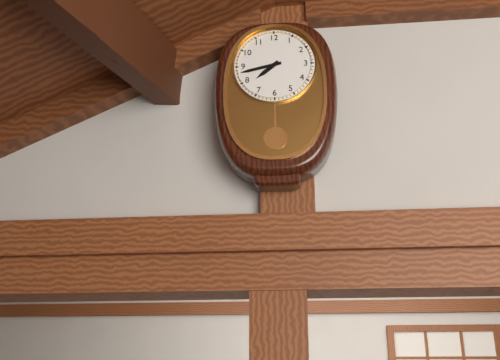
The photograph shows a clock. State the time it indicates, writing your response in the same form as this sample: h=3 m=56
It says h=7 m=43
